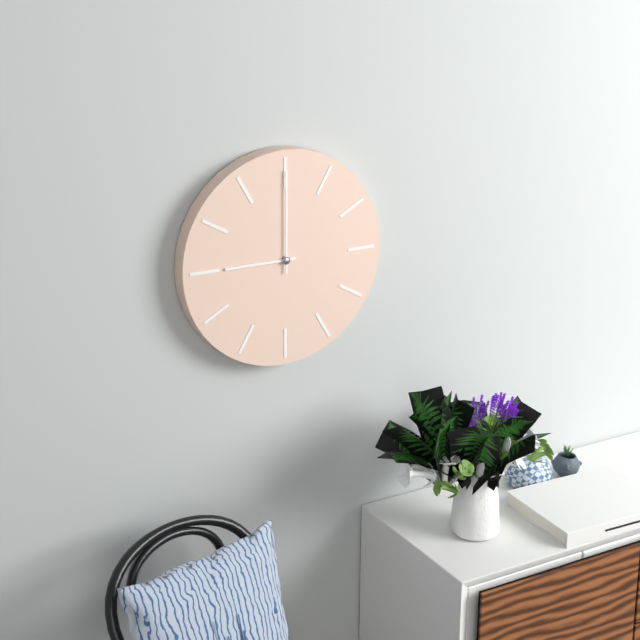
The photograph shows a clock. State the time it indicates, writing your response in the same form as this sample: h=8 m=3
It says h=9 m=0
